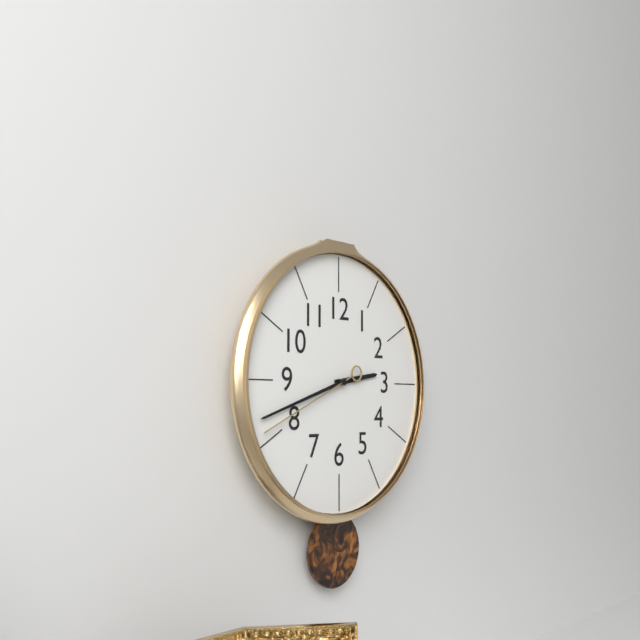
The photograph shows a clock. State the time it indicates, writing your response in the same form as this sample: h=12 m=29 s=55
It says h=2 m=42 s=41
